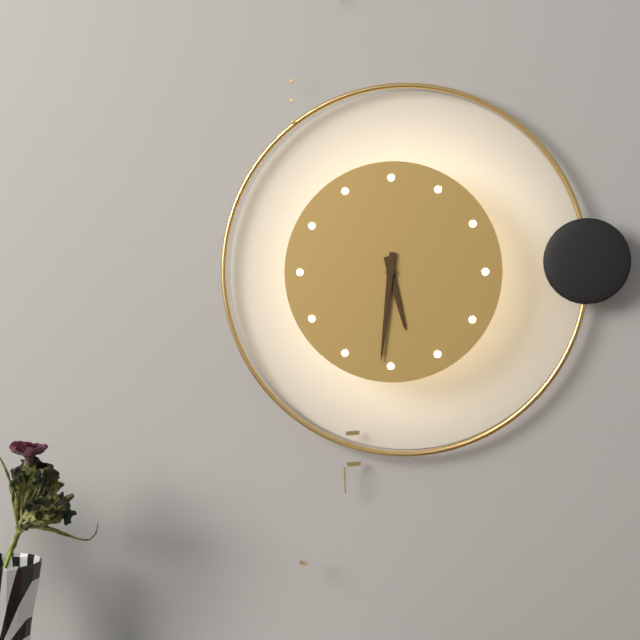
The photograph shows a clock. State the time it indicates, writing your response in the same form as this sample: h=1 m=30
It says h=5 m=31
